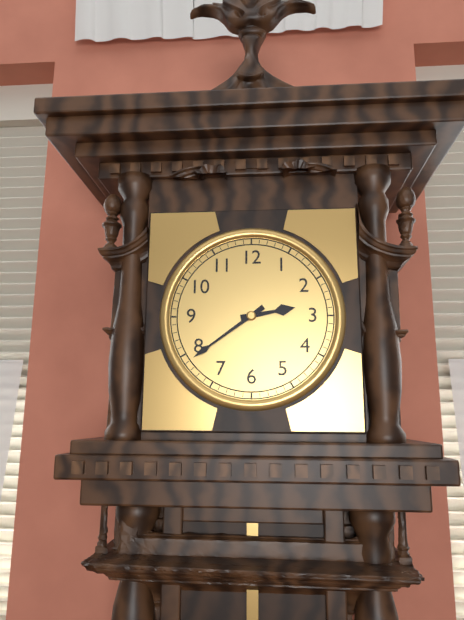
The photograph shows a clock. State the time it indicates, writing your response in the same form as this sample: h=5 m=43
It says h=2 m=39
